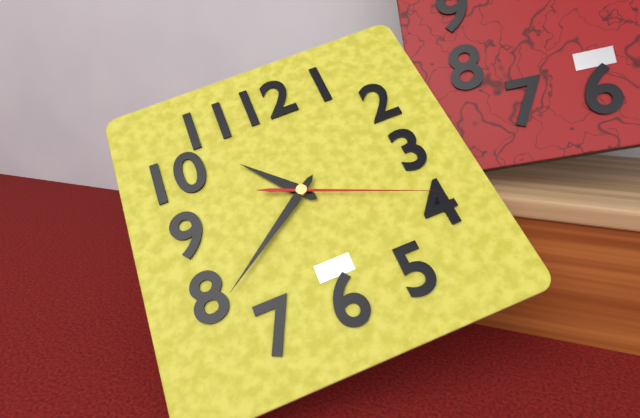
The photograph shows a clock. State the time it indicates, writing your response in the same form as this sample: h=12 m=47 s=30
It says h=10 m=39 s=19
